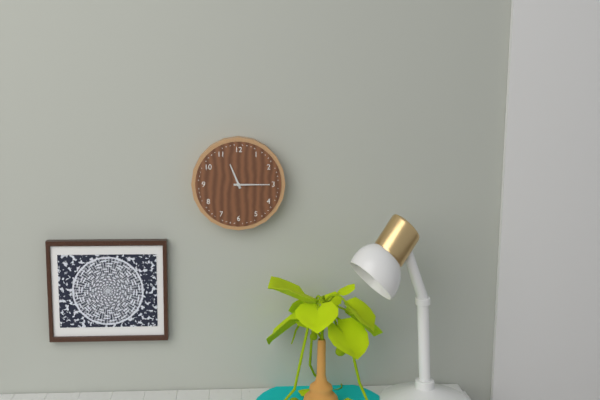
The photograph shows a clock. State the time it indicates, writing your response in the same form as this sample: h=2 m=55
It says h=11 m=15
